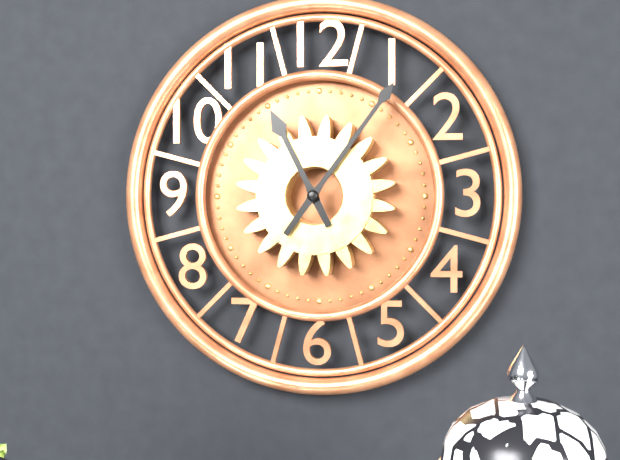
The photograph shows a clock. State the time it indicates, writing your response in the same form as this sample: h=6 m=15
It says h=11 m=6
